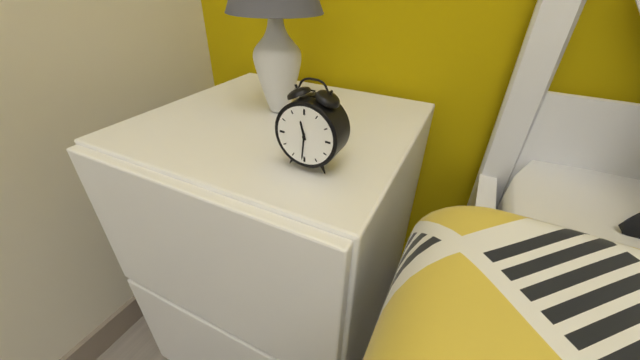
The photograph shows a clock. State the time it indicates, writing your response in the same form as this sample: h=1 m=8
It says h=11 m=31
